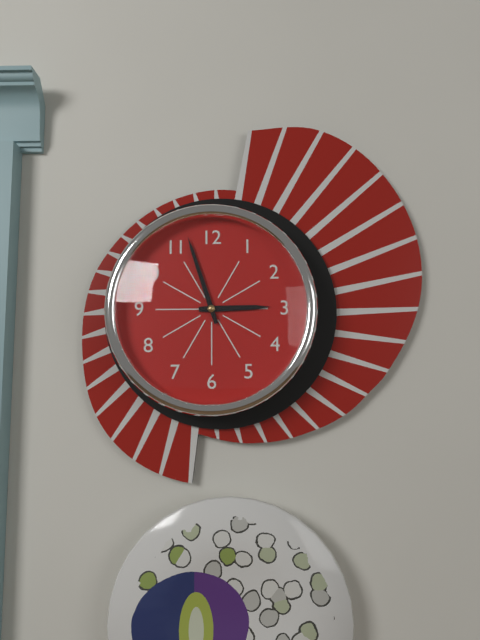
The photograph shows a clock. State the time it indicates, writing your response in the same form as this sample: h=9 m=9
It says h=2 m=57
